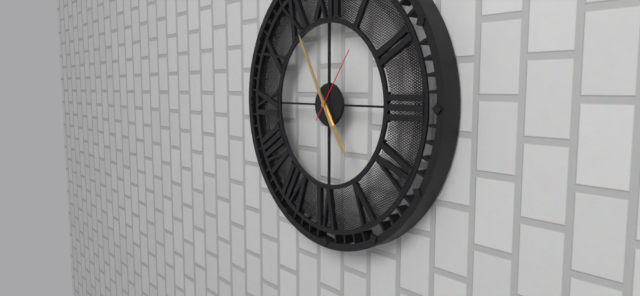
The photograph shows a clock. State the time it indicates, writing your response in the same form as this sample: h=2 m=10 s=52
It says h=4 m=55 s=6
